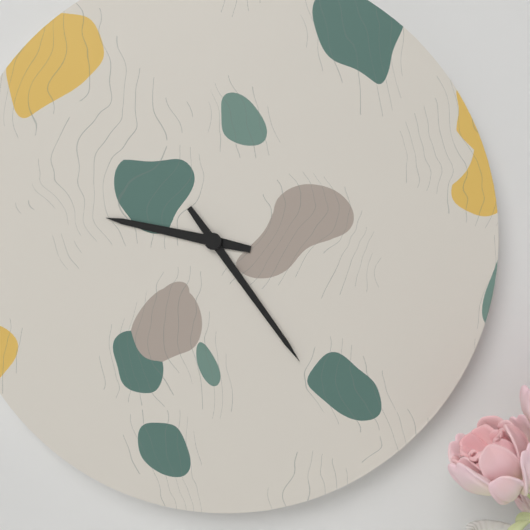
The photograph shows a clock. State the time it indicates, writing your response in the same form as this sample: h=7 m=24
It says h=9 m=24
